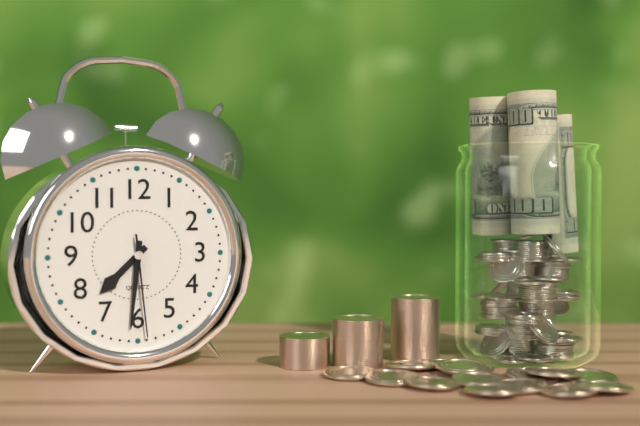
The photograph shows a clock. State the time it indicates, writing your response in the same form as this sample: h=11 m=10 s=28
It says h=7 m=31 s=29
